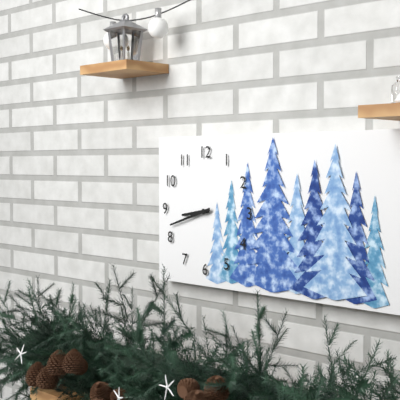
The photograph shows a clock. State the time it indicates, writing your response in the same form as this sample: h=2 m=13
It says h=8 m=42
